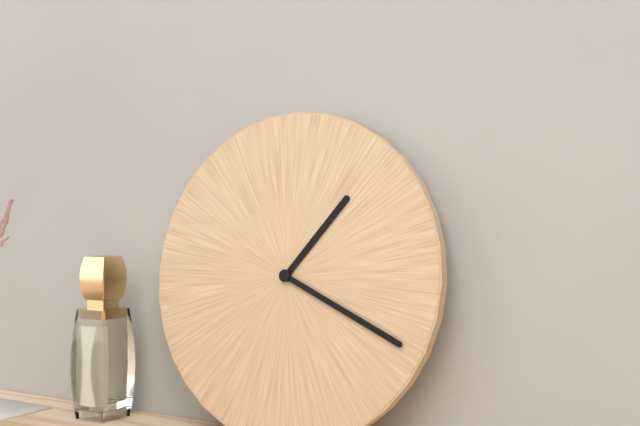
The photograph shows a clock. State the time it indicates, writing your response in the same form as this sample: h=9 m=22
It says h=1 m=19
